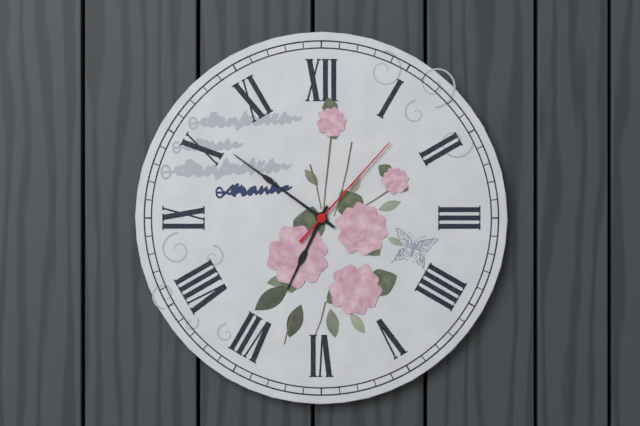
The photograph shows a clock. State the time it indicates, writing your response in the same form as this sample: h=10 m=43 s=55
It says h=6 m=51 s=7
